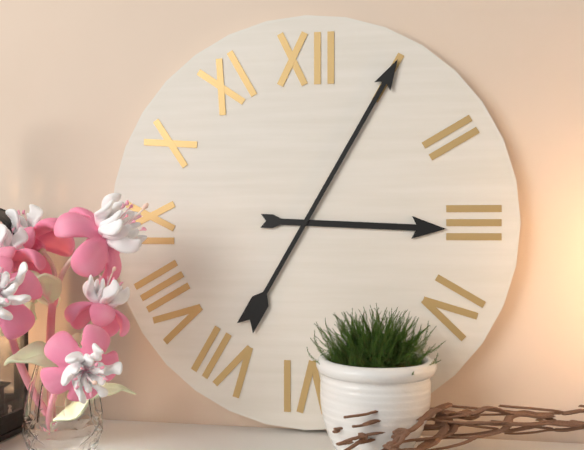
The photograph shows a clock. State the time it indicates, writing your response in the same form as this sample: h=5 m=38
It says h=3 m=5
